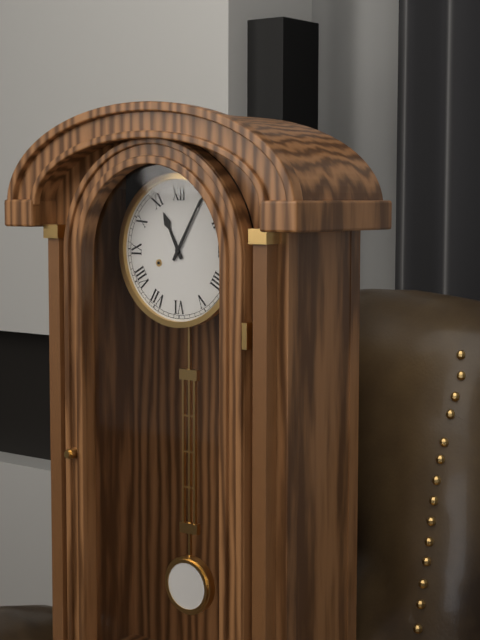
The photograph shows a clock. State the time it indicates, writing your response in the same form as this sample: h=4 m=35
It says h=11 m=5
